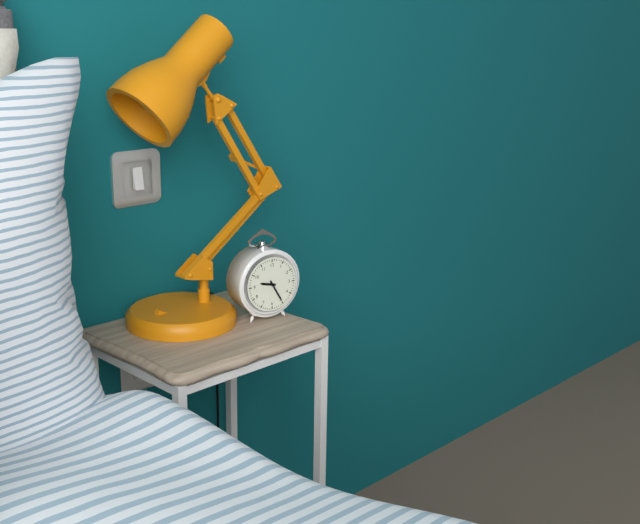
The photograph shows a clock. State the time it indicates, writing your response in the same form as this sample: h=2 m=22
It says h=9 m=25
